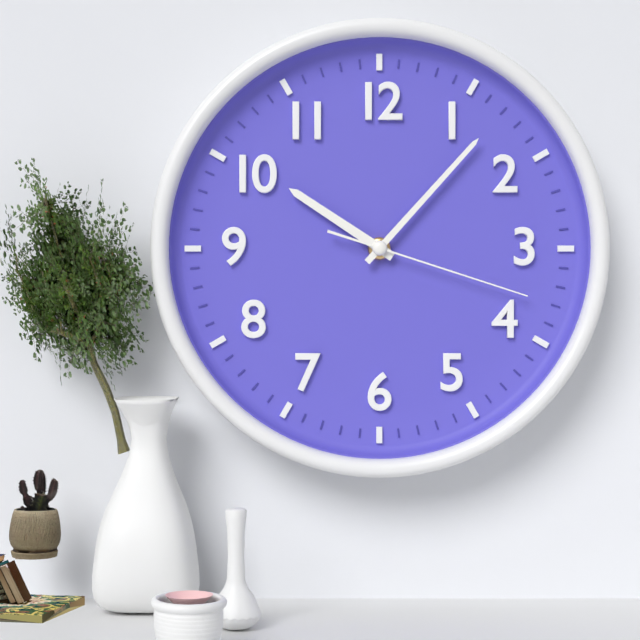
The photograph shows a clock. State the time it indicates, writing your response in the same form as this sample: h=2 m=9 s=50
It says h=10 m=7 s=18
